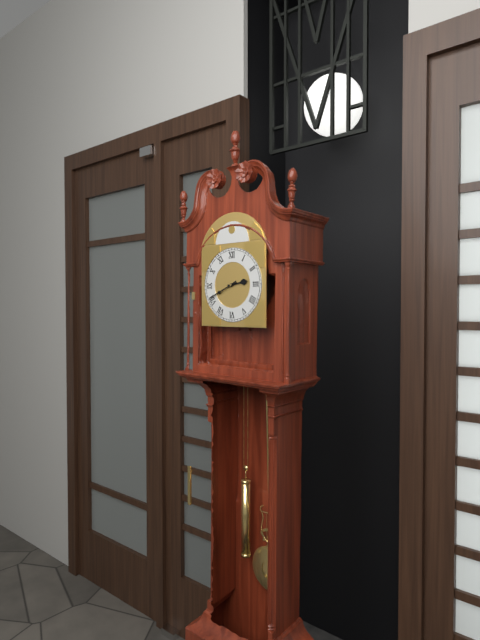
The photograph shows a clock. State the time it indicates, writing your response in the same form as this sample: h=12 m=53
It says h=2 m=41
